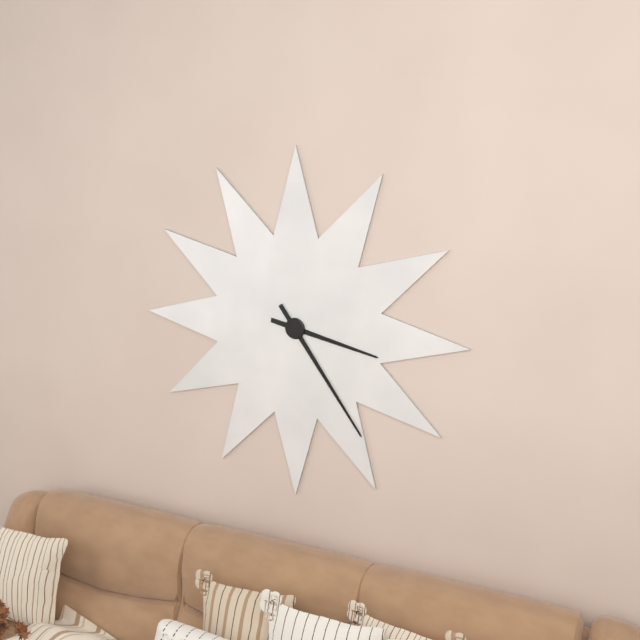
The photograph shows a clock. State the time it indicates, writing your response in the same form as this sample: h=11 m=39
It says h=3 m=24
